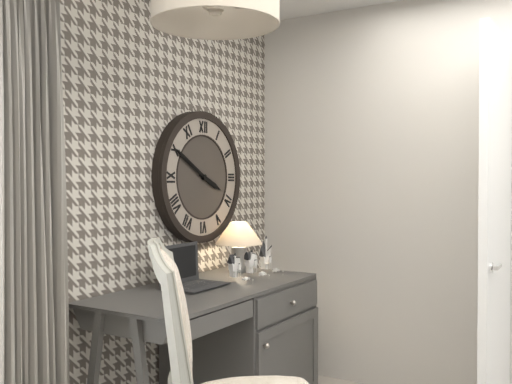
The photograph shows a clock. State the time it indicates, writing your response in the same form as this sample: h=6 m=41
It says h=3 m=50
